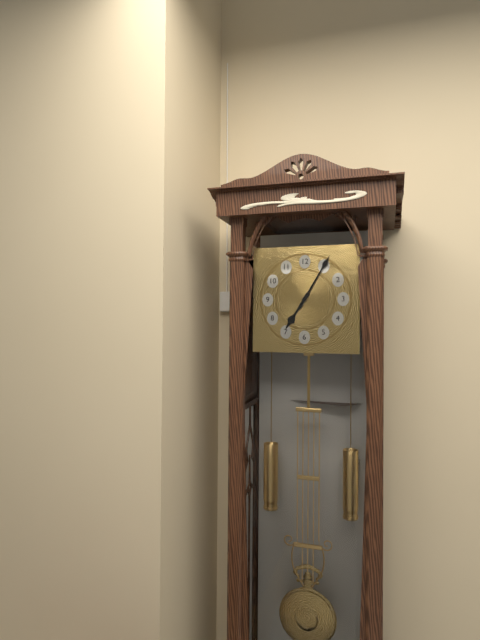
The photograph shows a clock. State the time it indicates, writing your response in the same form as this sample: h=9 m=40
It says h=7 m=5
